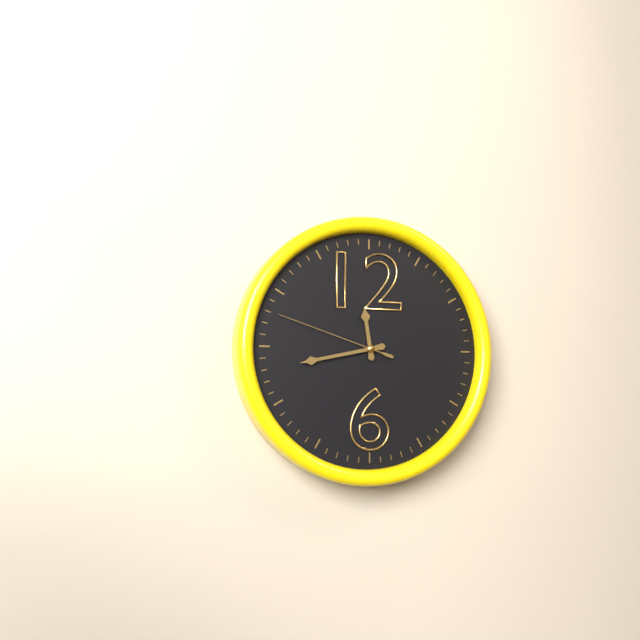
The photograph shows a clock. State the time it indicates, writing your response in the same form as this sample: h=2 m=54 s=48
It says h=11 m=43 s=48
